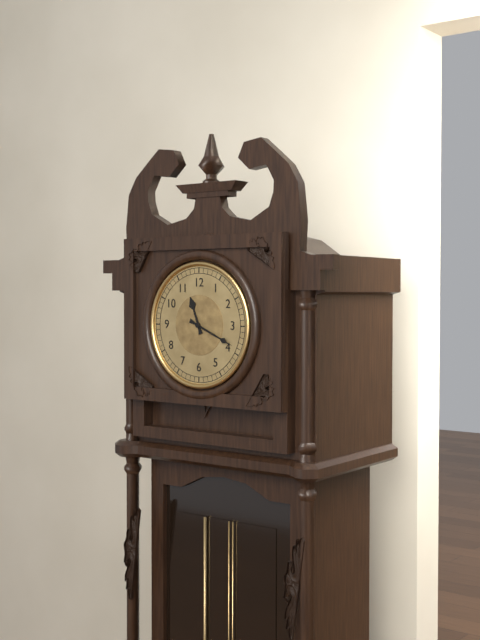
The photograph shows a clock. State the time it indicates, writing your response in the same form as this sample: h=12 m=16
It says h=11 m=19
